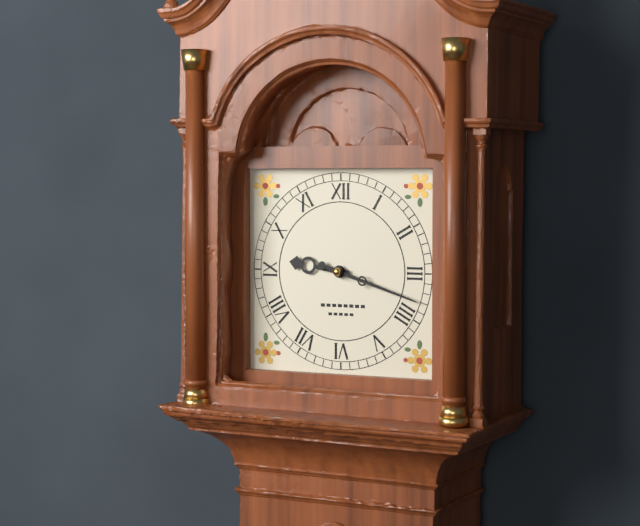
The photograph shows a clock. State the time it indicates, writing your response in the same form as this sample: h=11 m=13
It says h=9 m=18
